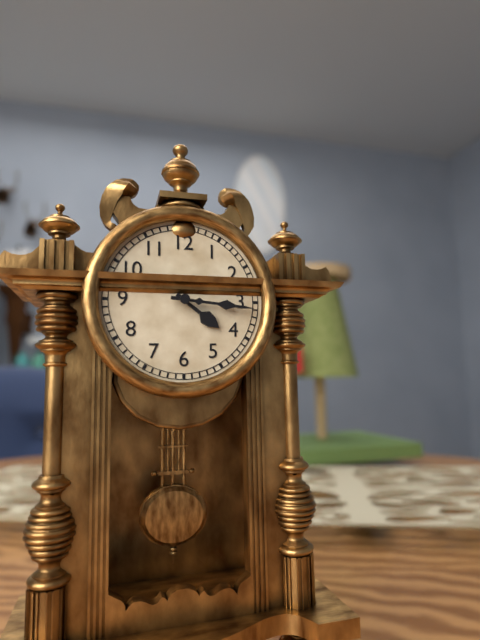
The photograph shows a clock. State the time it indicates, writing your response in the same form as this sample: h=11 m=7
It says h=4 m=16
